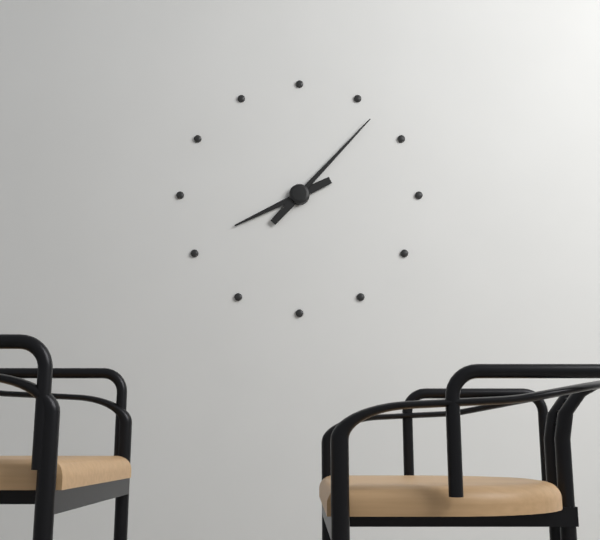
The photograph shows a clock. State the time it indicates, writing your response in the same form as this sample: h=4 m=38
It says h=8 m=7
